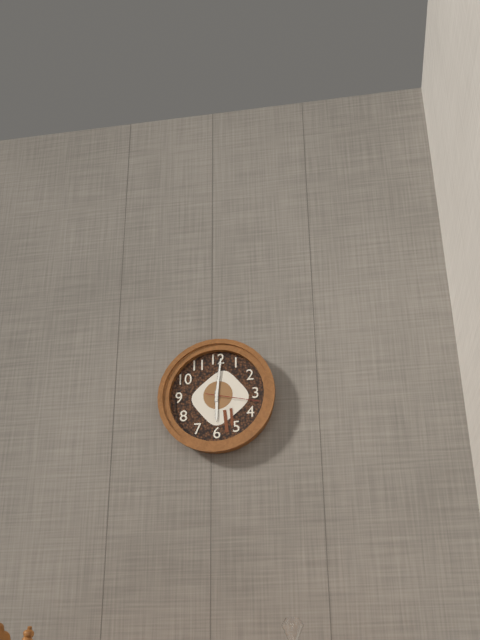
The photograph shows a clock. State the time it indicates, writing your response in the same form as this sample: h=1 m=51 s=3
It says h=6 m=1 s=17
